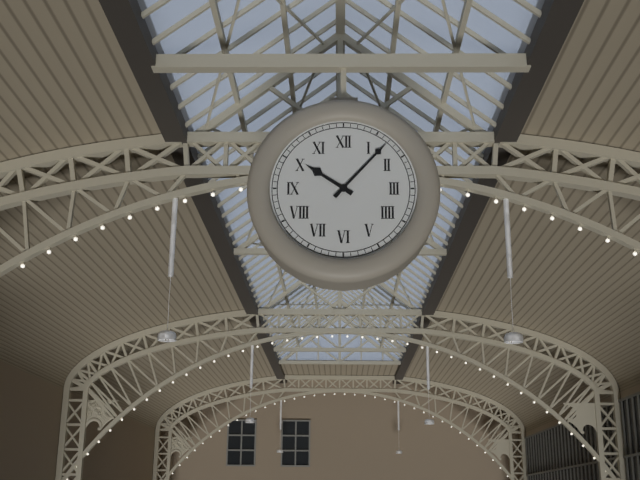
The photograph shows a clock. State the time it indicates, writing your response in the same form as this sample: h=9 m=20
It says h=10 m=7
